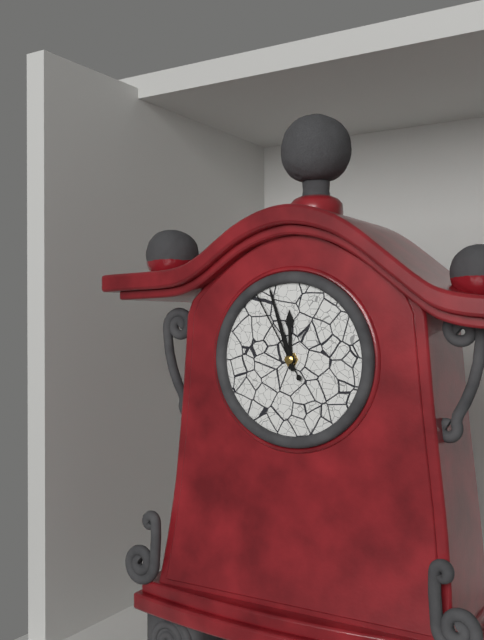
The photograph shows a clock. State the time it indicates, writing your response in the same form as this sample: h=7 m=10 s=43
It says h=11 m=57 s=55
